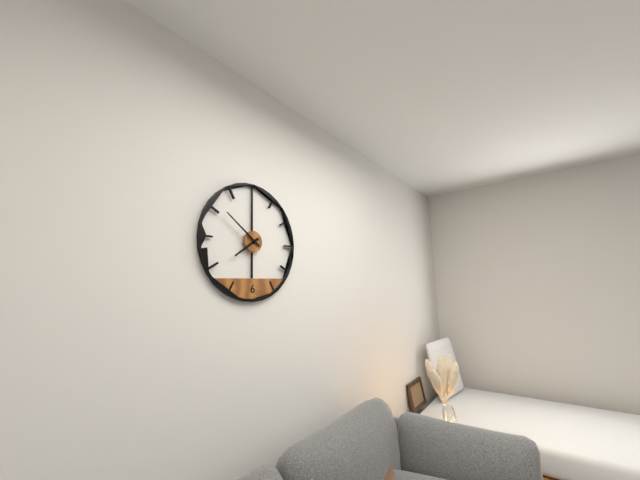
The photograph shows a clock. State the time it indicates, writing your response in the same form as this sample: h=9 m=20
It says h=7 m=51
